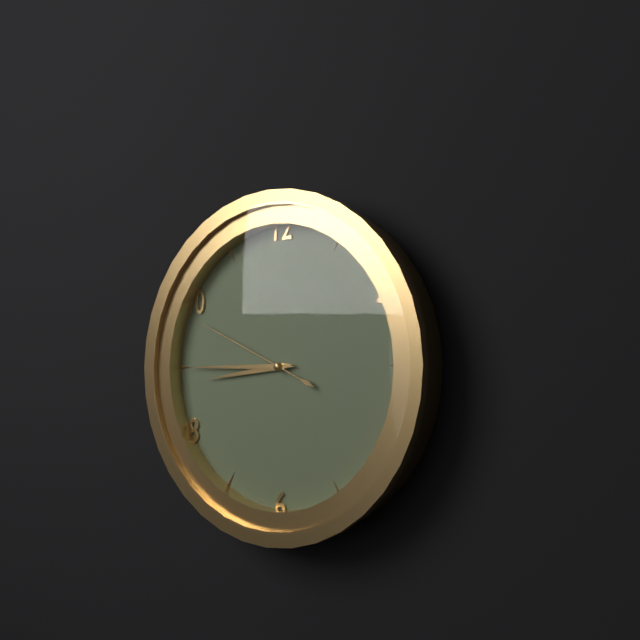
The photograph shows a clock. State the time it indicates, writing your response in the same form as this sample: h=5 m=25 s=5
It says h=8 m=45 s=49
